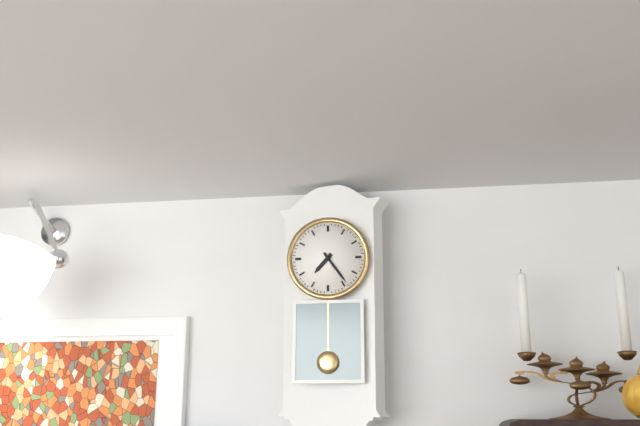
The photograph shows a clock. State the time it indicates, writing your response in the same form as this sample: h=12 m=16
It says h=7 m=24
